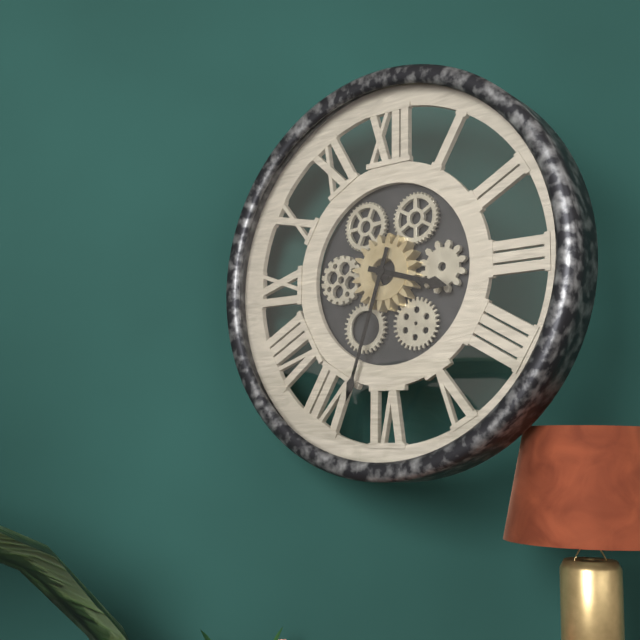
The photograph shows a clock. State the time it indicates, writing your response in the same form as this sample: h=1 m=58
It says h=3 m=33
